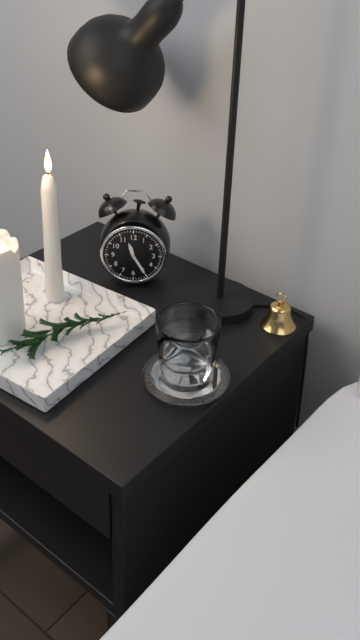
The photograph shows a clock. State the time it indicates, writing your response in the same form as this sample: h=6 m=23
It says h=11 m=25
